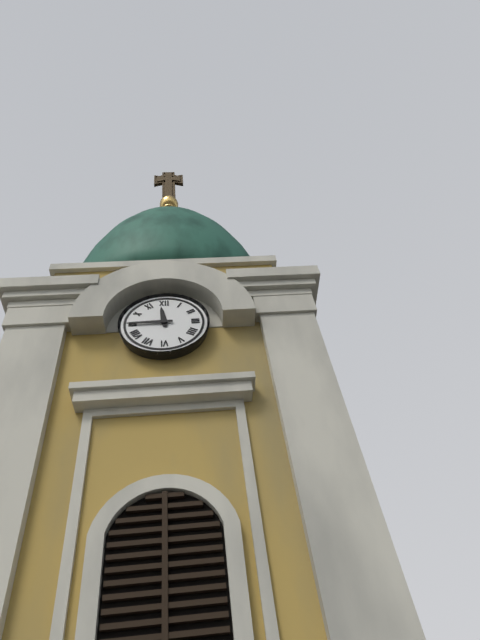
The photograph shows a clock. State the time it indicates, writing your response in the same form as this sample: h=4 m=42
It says h=11 m=45
